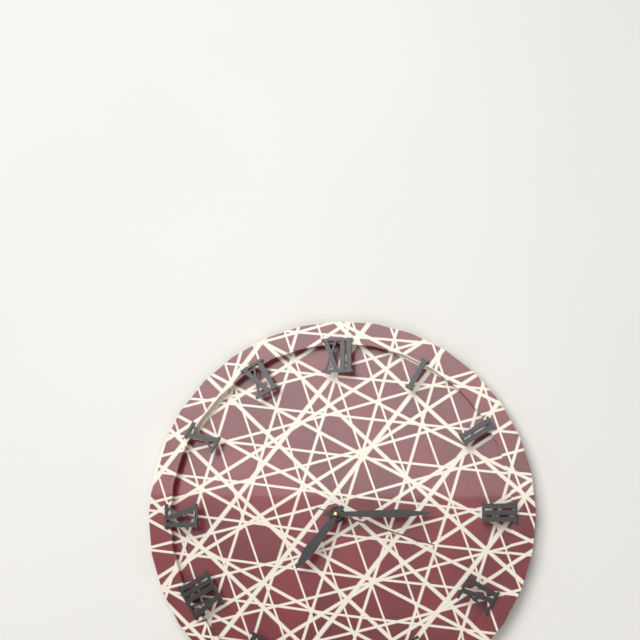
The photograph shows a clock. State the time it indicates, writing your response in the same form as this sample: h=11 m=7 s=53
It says h=7 m=15 s=18
